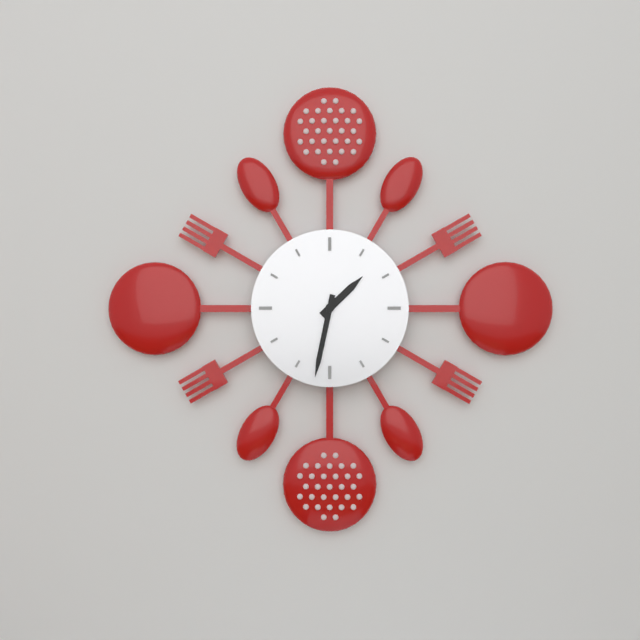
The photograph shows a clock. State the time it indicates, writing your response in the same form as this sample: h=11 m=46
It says h=1 m=32
